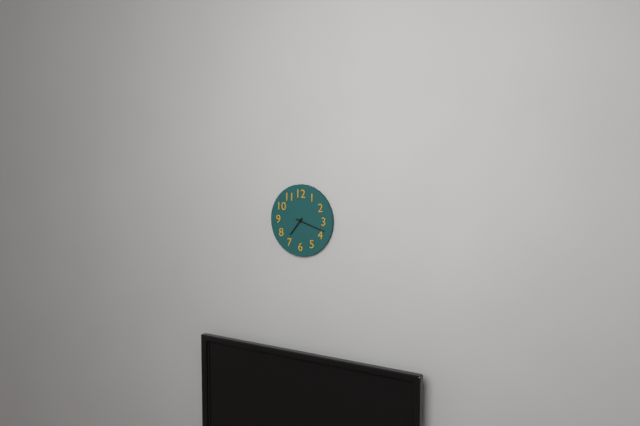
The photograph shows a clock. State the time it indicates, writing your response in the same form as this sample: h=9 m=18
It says h=7 m=18
